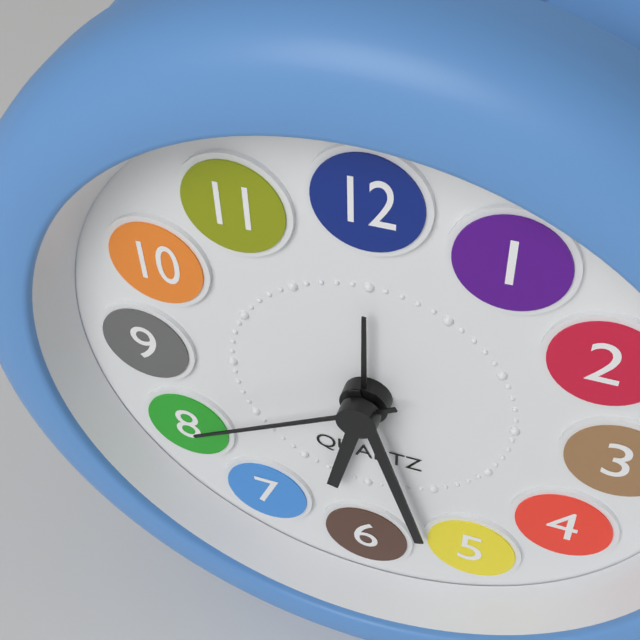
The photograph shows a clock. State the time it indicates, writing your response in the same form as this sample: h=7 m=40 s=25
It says h=6 m=27 s=40
